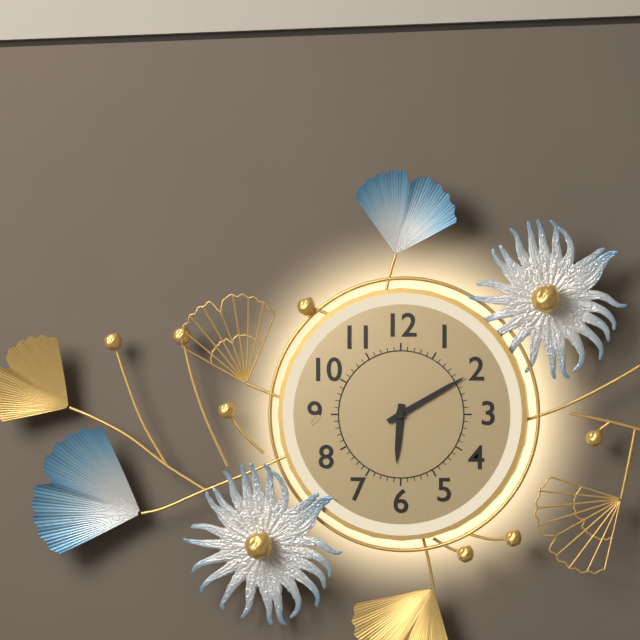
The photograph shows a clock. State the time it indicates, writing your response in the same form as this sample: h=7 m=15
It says h=6 m=10
